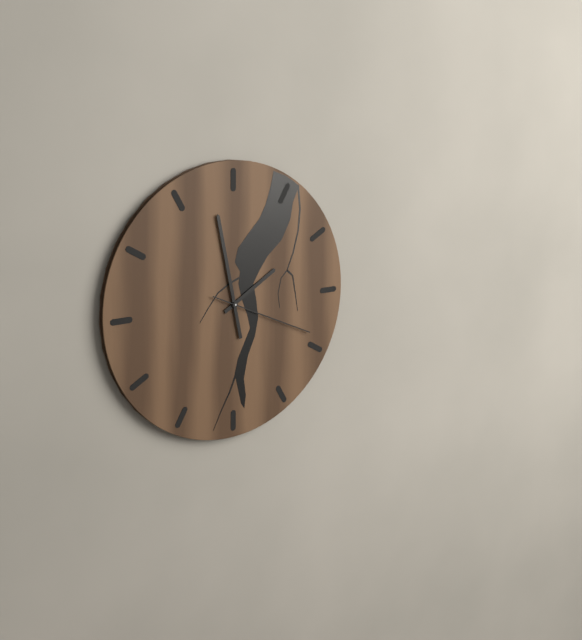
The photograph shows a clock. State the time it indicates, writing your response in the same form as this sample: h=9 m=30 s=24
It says h=1 m=58 s=19
